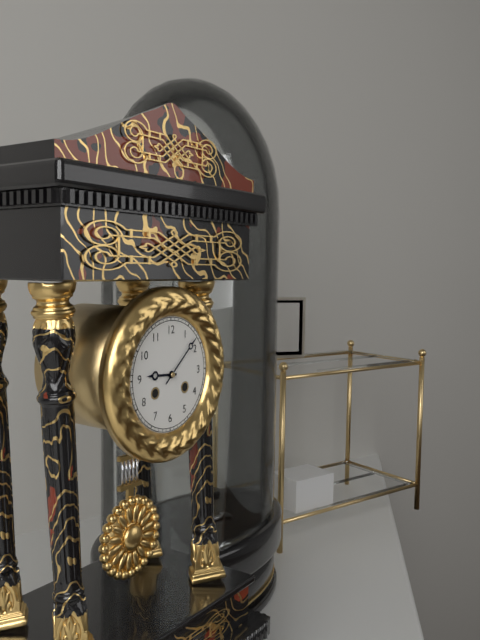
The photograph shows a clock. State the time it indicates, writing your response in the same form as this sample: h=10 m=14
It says h=9 m=8
